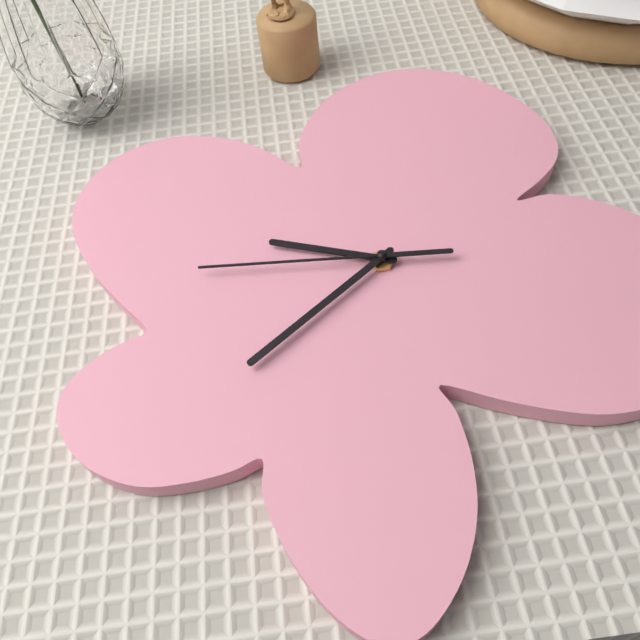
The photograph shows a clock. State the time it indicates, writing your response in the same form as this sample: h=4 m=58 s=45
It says h=10 m=44 s=51
